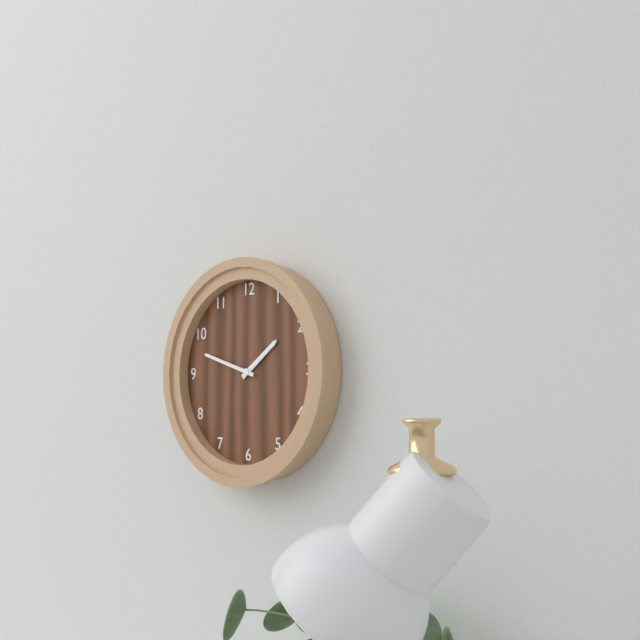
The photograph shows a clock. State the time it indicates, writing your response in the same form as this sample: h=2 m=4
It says h=1 m=48
